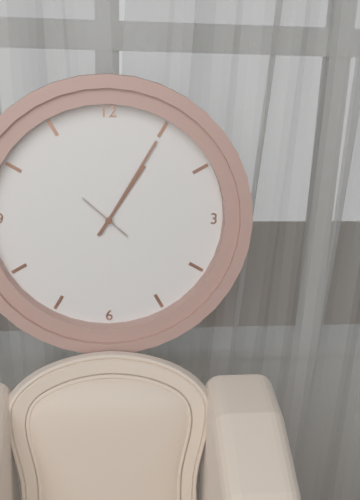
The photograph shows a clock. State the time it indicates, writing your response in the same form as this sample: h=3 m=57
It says h=1 m=5
